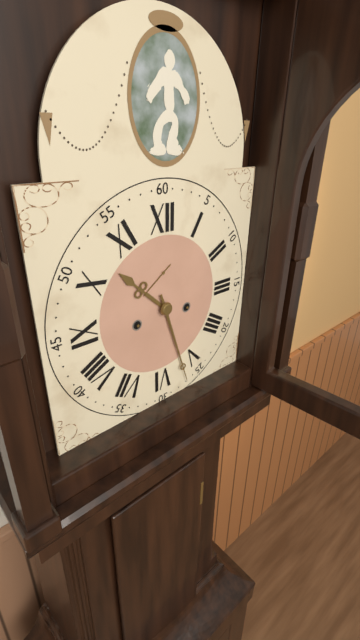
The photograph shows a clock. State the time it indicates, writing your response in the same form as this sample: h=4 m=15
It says h=10 m=27
